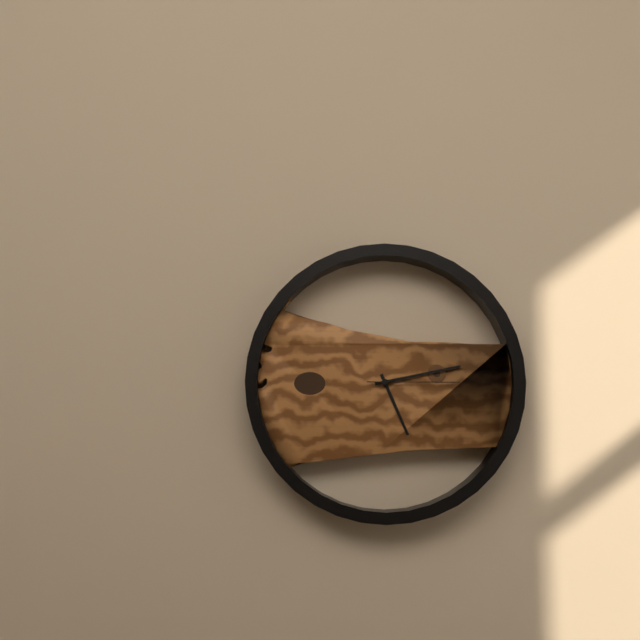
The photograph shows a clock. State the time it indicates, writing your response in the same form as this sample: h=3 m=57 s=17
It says h=5 m=13 s=15
